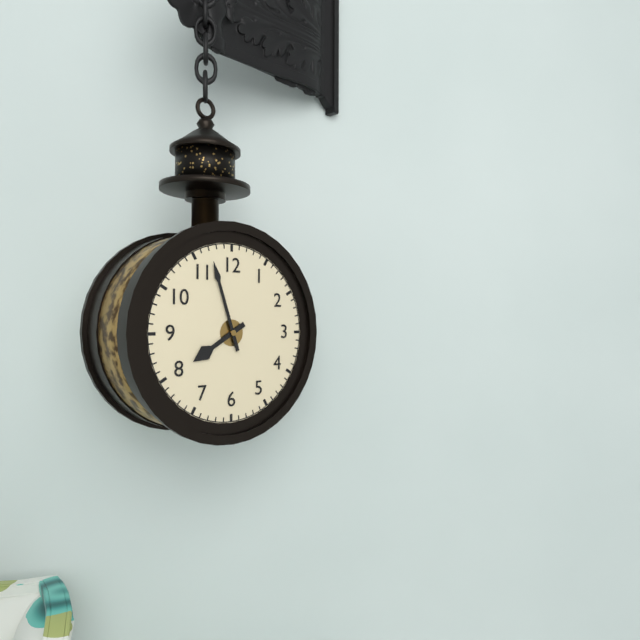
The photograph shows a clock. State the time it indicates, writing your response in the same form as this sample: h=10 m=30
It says h=7 m=57
